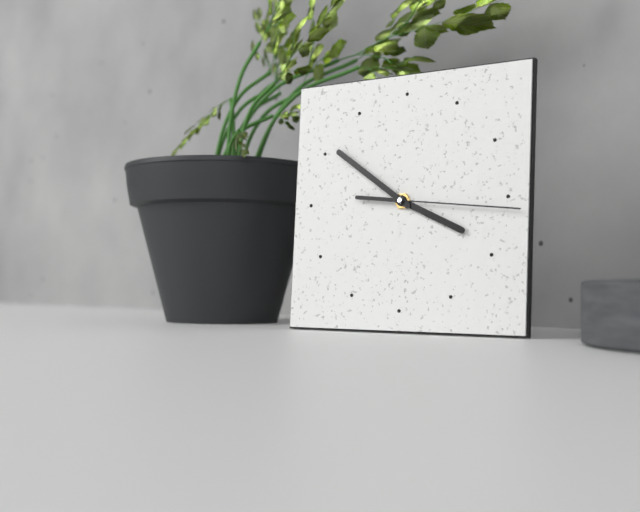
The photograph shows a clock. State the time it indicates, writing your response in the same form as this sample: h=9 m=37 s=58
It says h=3 m=51 s=16
